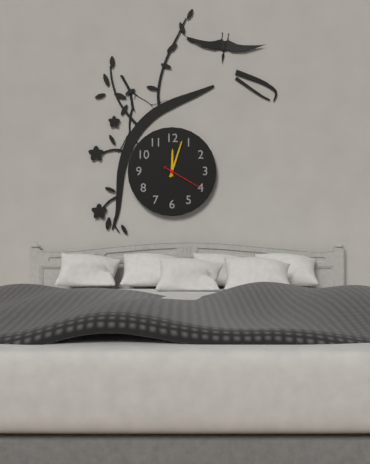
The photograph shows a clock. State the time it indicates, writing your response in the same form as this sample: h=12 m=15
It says h=12 m=3
